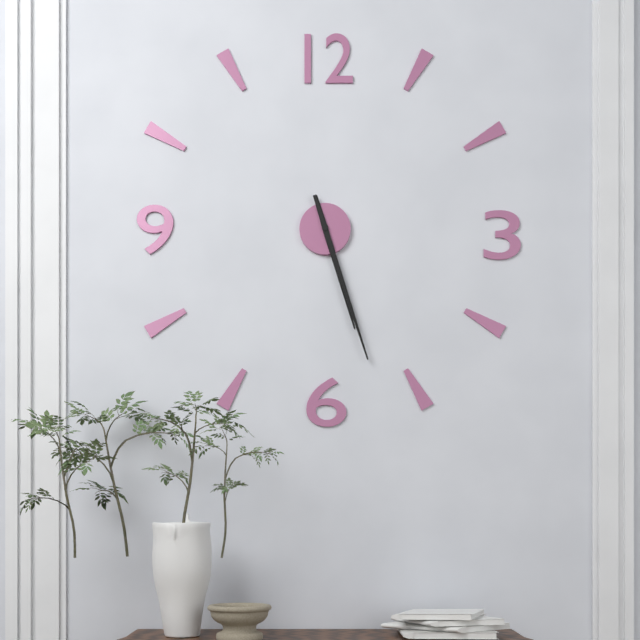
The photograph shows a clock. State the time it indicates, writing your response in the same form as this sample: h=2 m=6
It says h=5 m=27
